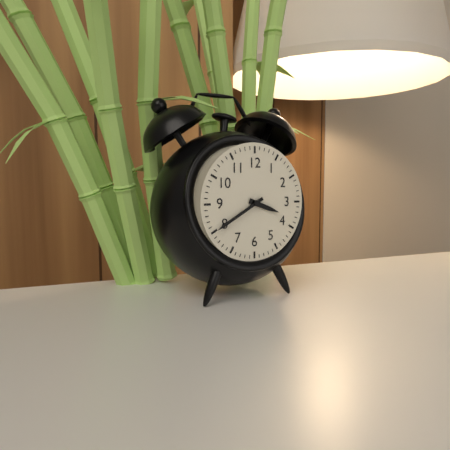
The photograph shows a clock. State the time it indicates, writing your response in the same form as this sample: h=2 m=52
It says h=3 m=40
